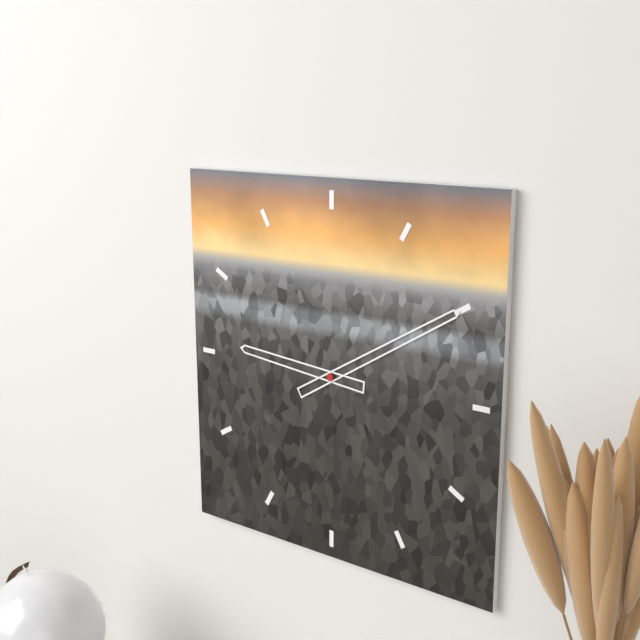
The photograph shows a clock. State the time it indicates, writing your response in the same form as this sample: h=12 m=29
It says h=9 m=10
